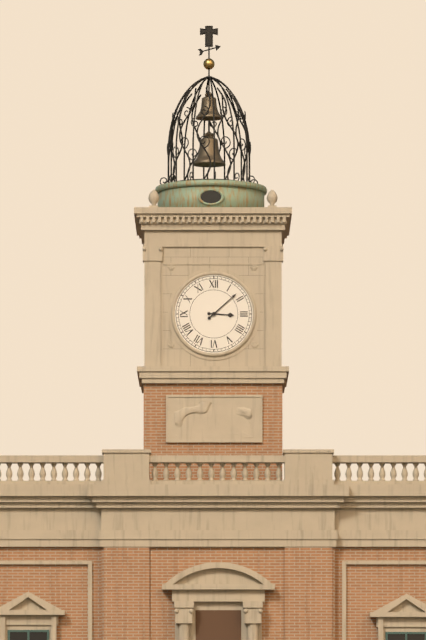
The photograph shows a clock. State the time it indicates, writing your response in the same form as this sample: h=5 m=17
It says h=3 m=8
